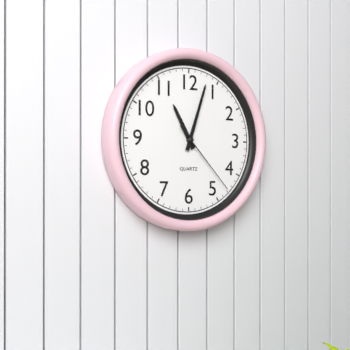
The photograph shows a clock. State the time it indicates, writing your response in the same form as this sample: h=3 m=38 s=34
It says h=11 m=3 s=23
